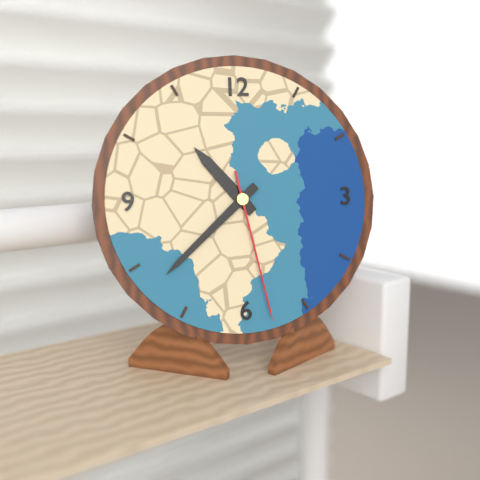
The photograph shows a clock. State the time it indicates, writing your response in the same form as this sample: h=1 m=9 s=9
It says h=10 m=38 s=28
